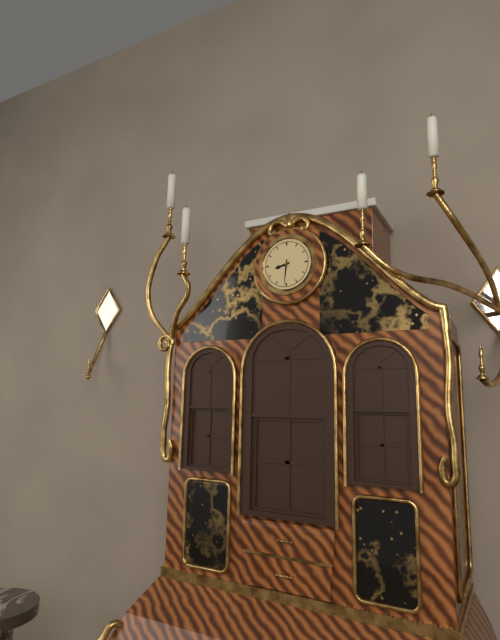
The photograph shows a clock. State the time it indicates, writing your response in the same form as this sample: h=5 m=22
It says h=8 m=31
